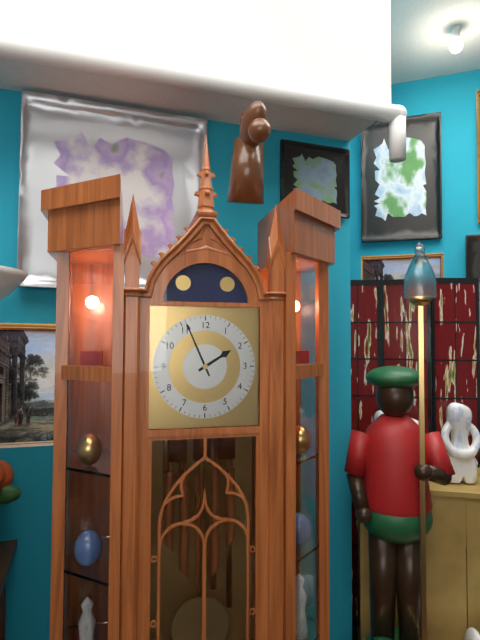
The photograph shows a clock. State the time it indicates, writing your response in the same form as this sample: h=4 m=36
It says h=1 m=56
